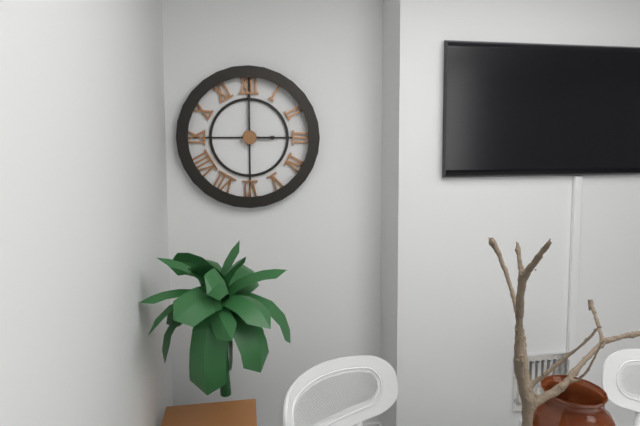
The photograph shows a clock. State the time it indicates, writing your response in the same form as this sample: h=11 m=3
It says h=3 m=0
